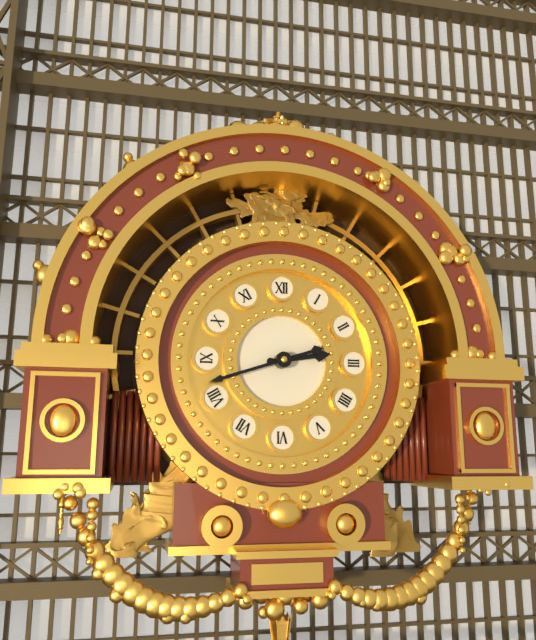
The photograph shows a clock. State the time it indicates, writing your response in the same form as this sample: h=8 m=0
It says h=2 m=42
